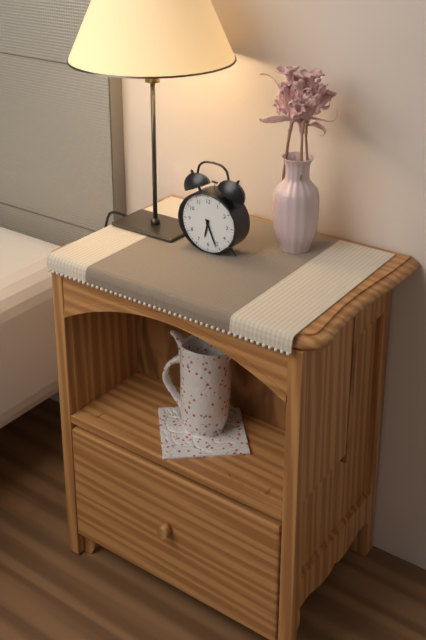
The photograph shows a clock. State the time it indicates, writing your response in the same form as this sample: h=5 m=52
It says h=6 m=26
